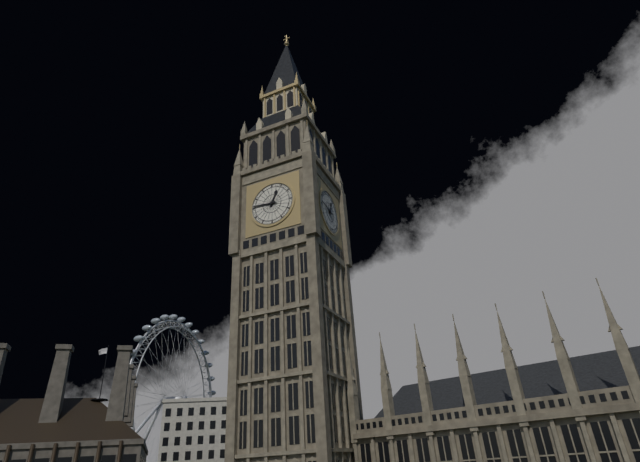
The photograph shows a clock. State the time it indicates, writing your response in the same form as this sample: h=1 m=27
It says h=12 m=46
